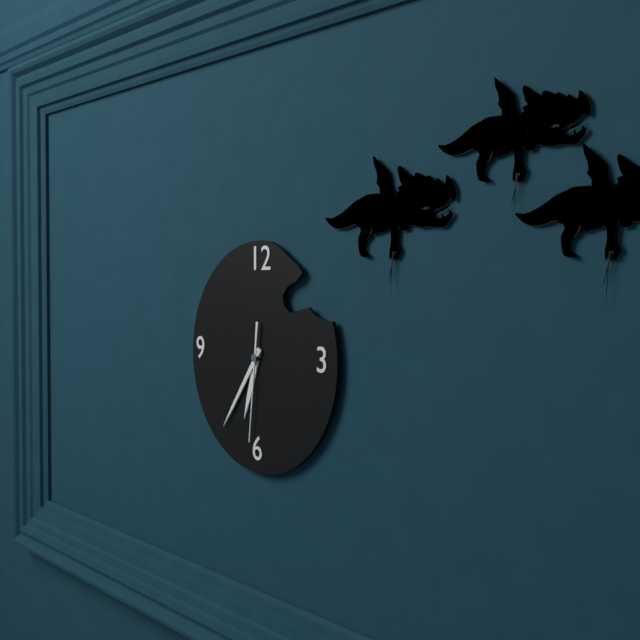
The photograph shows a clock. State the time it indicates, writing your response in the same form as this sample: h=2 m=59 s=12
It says h=6 m=36 s=31
